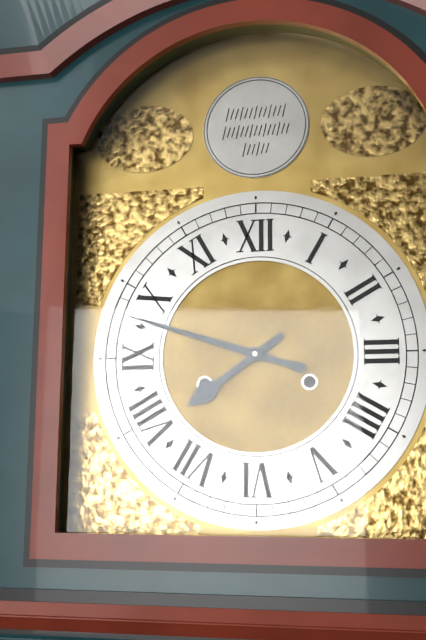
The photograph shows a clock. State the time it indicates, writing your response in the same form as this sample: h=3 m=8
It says h=7 m=48
